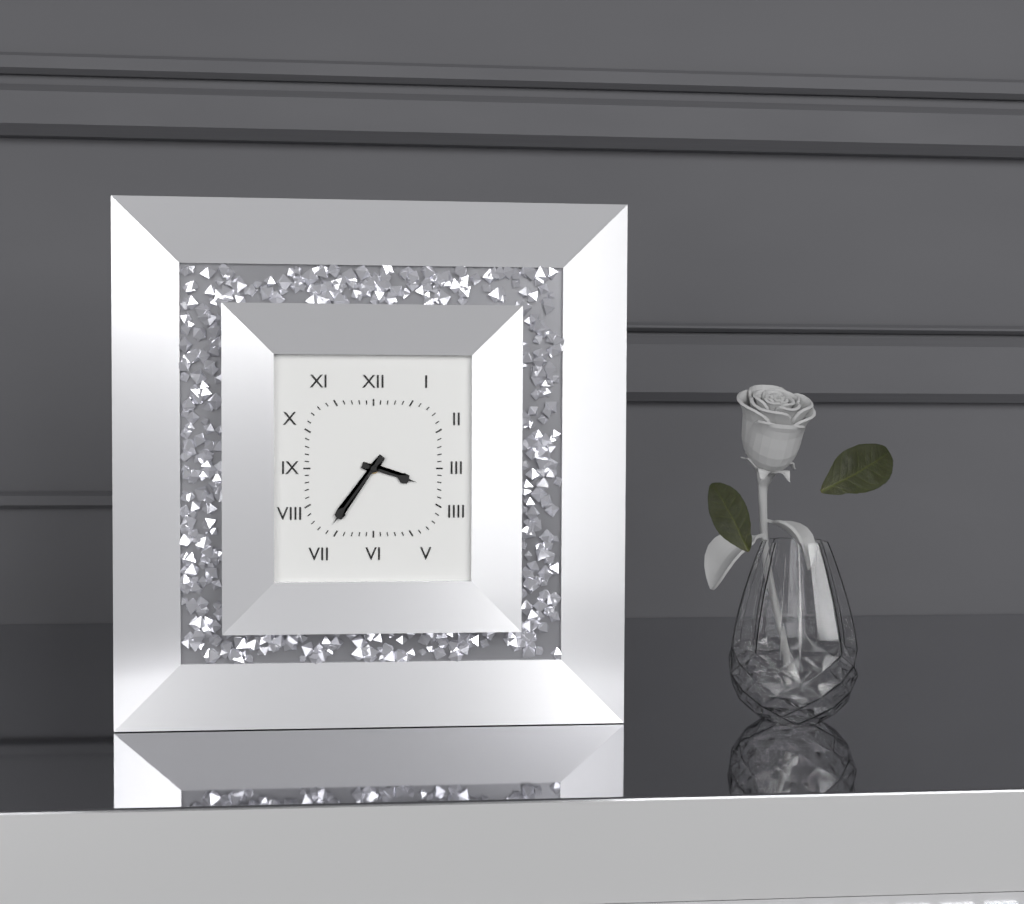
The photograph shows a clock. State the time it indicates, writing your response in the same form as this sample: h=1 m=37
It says h=3 m=36
